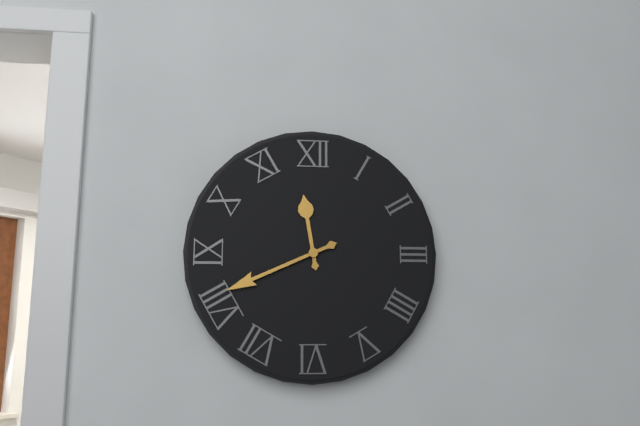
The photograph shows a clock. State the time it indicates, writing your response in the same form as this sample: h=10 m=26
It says h=11 m=41
